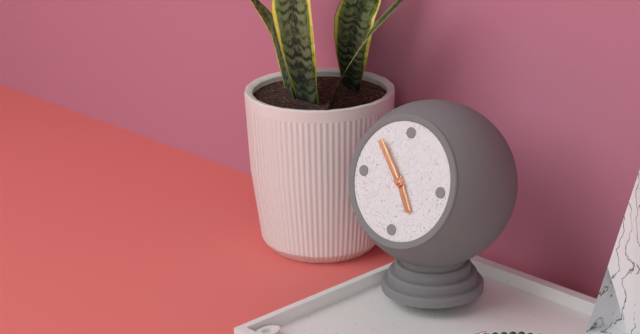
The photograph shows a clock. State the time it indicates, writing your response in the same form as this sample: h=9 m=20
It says h=4 m=53
